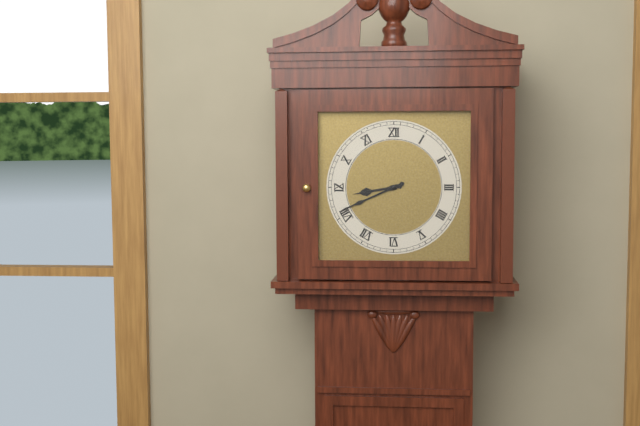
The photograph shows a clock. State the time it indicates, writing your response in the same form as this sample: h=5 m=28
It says h=8 m=41
